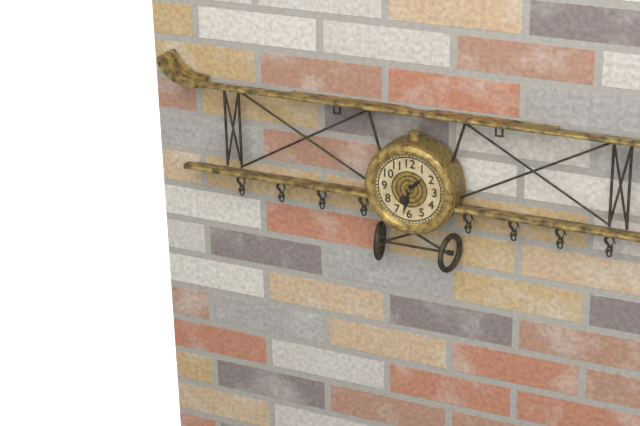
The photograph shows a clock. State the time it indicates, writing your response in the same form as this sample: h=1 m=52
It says h=1 m=32
